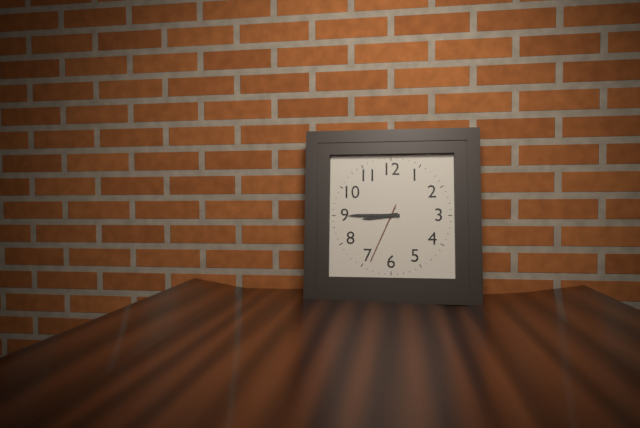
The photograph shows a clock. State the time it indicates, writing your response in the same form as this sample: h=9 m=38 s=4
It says h=8 m=45 s=34
